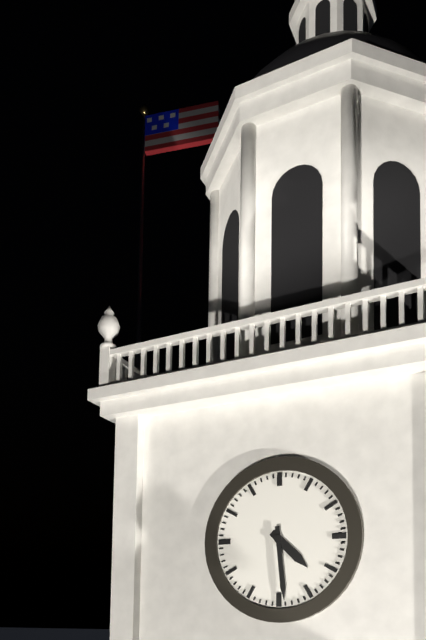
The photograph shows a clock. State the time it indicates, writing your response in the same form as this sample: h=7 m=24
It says h=4 m=29
